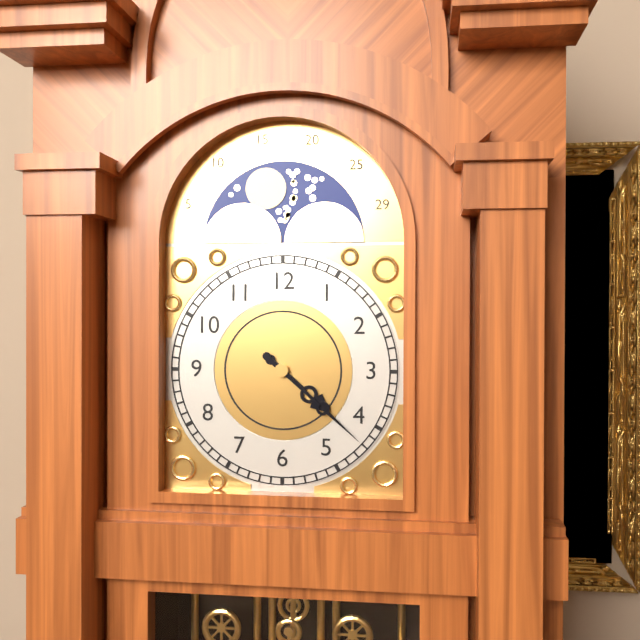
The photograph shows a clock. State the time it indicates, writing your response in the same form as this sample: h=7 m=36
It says h=4 m=22
